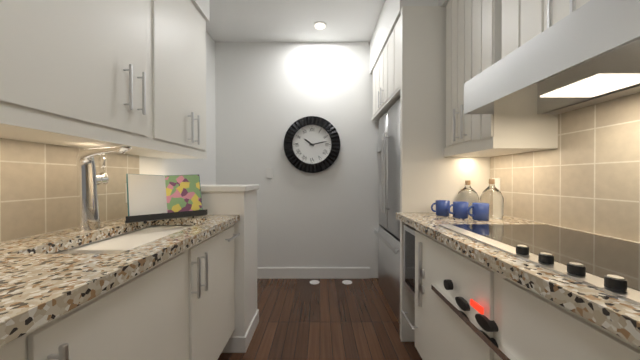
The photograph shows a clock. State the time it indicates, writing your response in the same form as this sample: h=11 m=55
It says h=10 m=13
